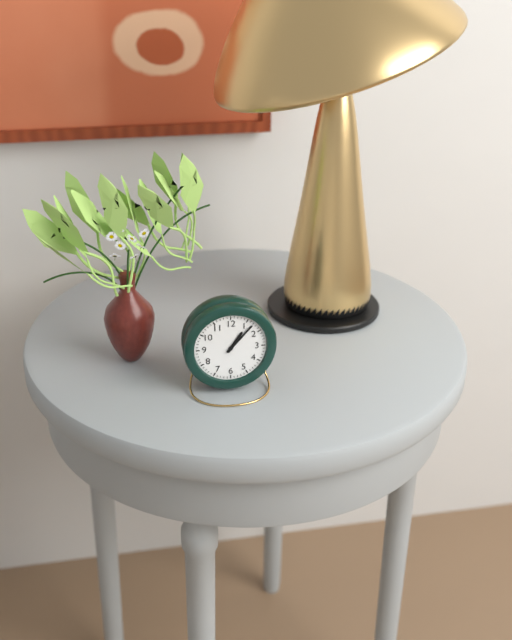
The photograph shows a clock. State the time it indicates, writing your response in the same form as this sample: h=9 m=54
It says h=1 m=7
